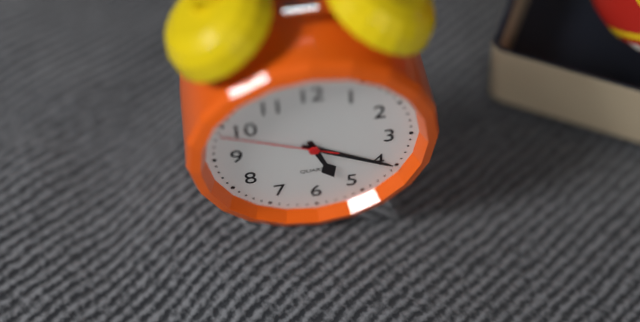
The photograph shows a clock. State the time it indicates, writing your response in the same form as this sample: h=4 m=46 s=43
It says h=5 m=20 s=49
